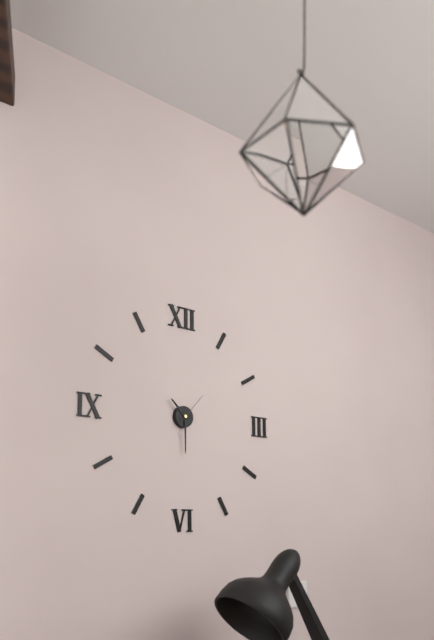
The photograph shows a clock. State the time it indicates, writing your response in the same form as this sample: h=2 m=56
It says h=10 m=30
